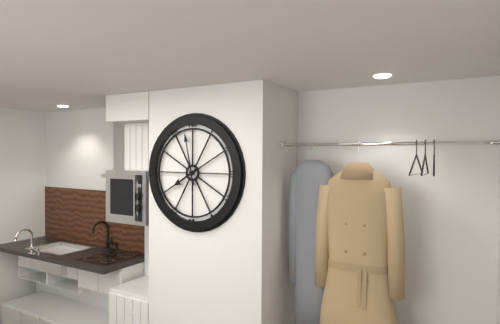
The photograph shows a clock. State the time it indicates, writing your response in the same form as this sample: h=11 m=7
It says h=7 m=58
